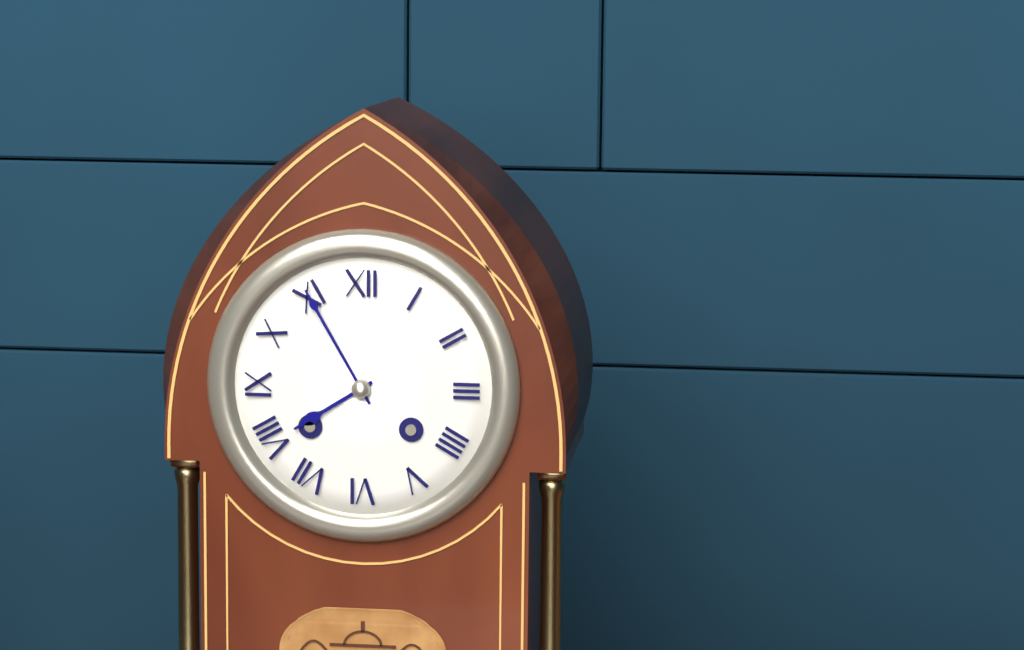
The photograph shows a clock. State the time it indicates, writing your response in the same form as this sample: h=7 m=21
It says h=7 m=55
